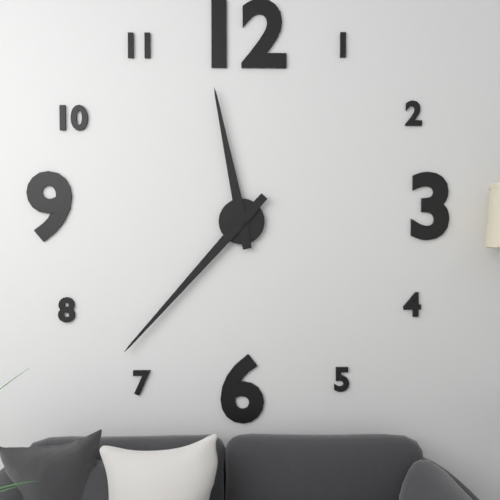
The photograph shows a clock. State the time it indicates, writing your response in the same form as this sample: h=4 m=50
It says h=11 m=37
